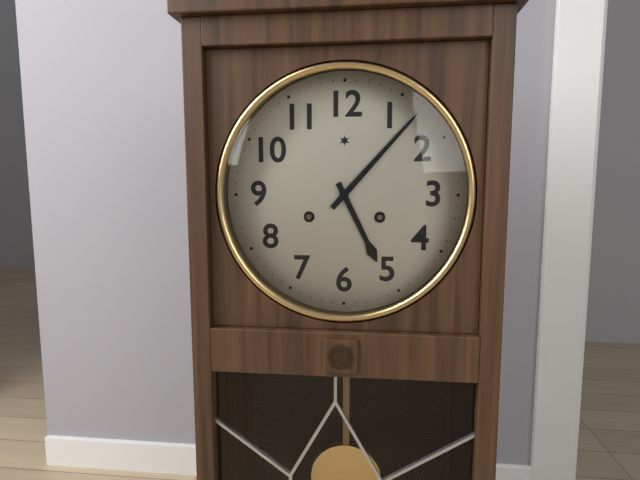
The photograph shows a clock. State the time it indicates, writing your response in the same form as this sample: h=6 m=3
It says h=5 m=7
